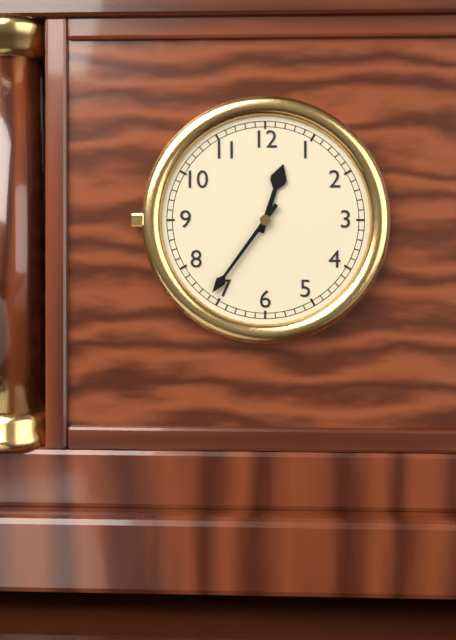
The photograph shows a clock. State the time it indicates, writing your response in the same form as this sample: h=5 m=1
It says h=12 m=36
